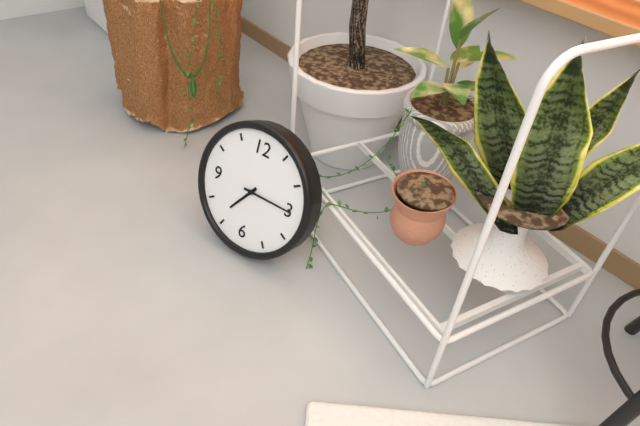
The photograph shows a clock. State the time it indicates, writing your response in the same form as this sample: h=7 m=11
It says h=7 m=15
